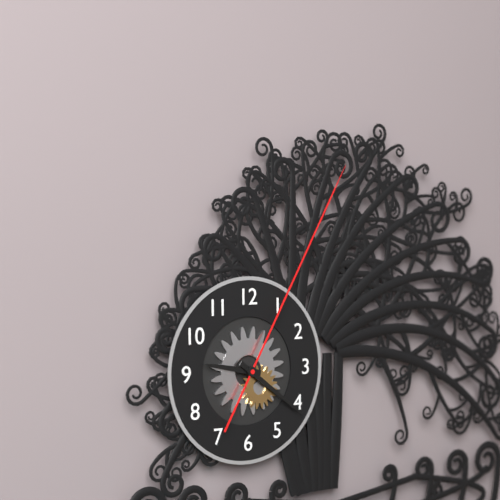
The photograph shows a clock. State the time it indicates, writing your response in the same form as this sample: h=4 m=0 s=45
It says h=9 m=21 s=5
